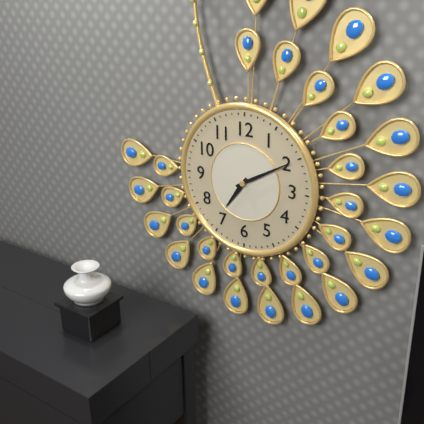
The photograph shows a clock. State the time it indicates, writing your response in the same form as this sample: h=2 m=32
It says h=7 m=10
